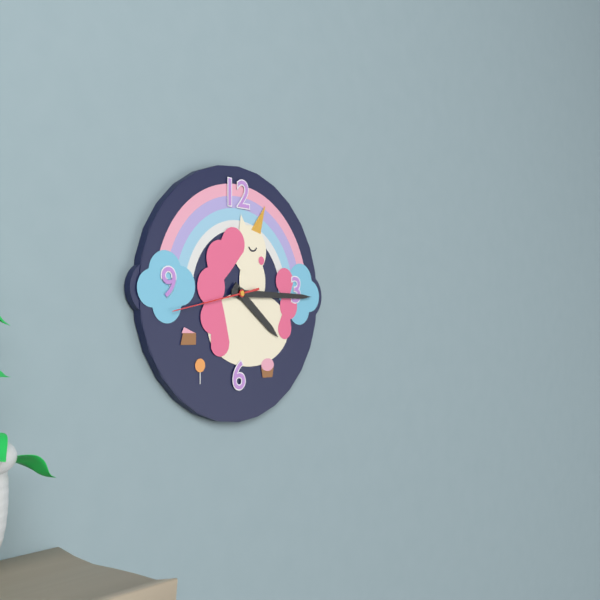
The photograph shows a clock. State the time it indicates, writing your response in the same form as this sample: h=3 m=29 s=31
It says h=4 m=15 s=43
